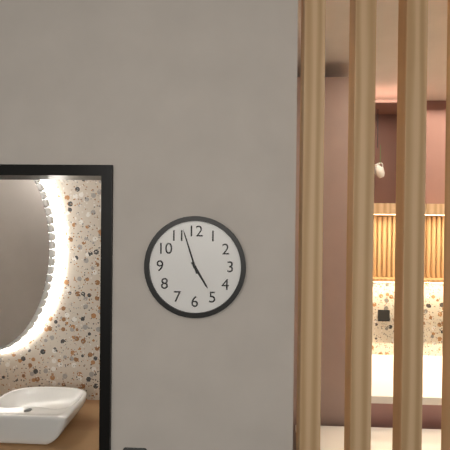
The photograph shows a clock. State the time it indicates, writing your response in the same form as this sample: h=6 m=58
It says h=4 m=57
